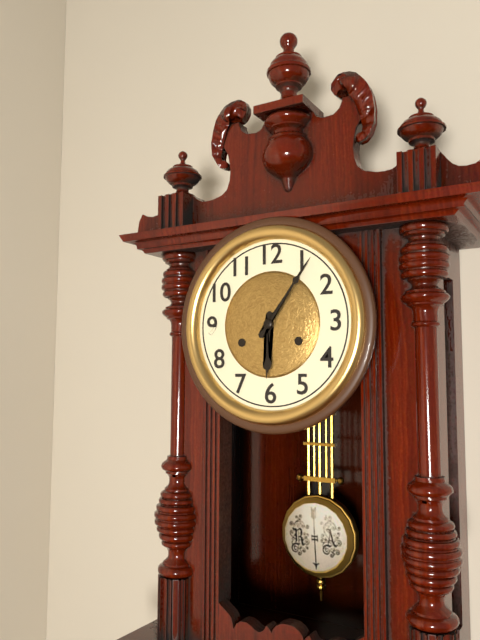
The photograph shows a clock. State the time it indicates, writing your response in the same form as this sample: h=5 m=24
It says h=6 m=6
